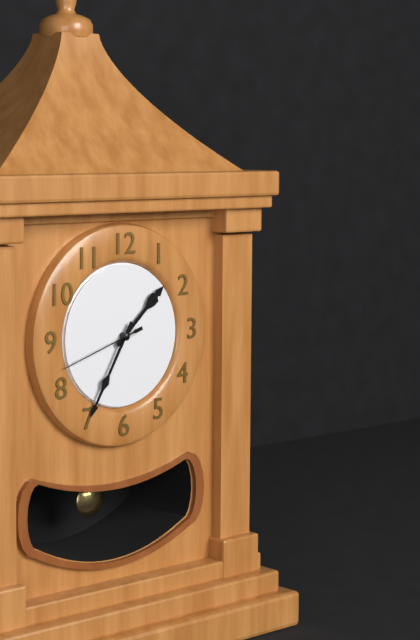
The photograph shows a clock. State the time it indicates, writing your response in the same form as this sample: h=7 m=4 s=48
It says h=1 m=35 s=42
